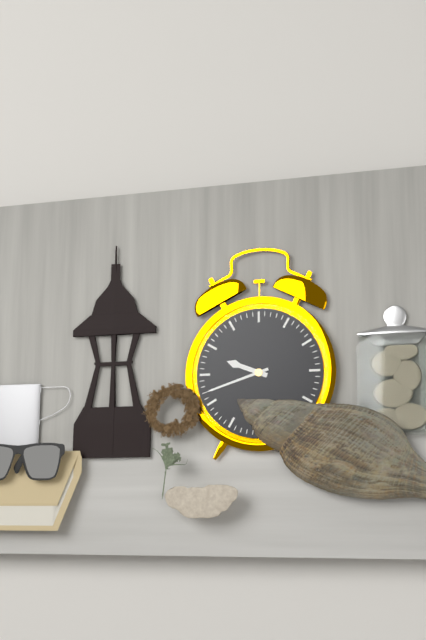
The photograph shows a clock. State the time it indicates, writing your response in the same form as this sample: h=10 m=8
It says h=9 m=42
